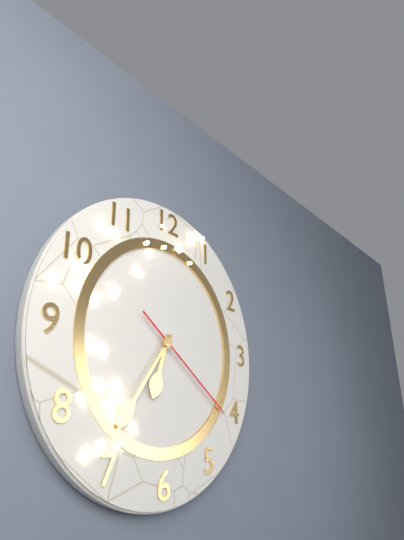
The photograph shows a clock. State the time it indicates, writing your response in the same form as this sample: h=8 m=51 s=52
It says h=6 m=36 s=21
